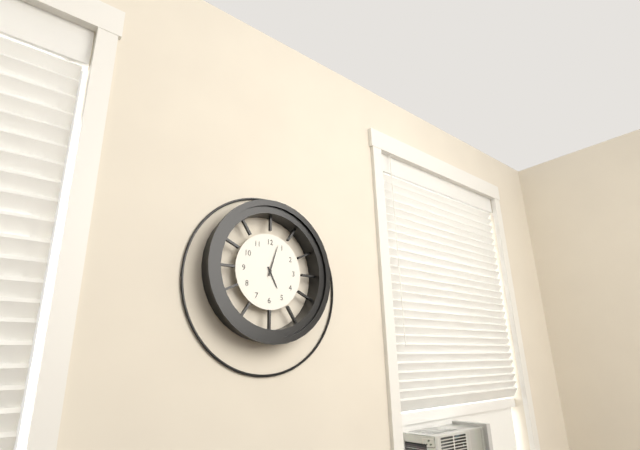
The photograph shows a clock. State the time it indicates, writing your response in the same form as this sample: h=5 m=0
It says h=5 m=3
